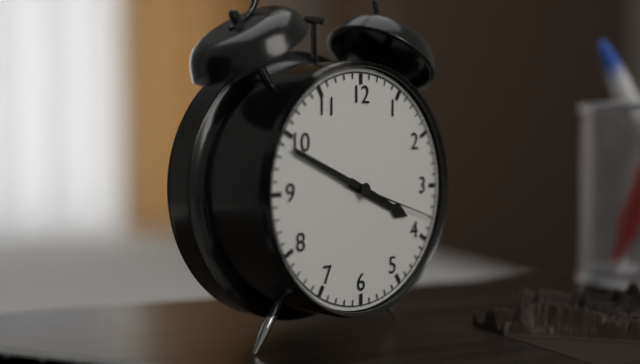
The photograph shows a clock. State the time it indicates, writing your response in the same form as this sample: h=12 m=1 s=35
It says h=3 m=49 s=18
